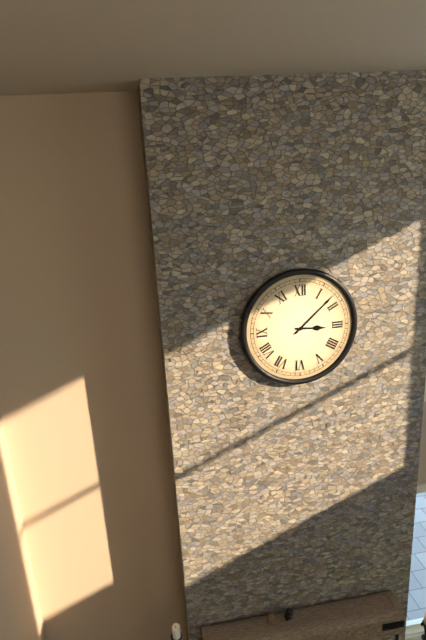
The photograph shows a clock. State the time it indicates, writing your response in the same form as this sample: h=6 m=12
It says h=3 m=8
